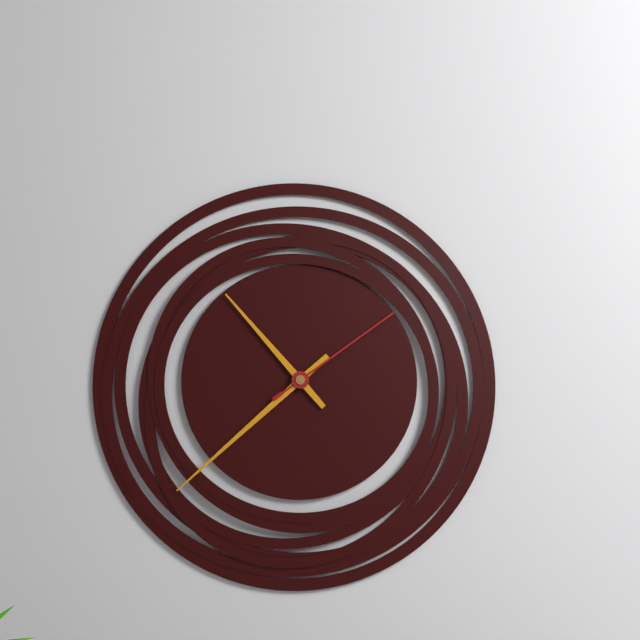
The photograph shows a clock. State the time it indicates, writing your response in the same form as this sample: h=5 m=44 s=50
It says h=10 m=38 s=9
